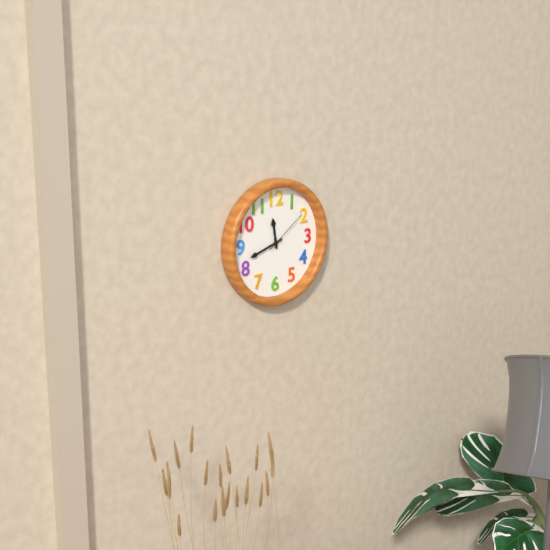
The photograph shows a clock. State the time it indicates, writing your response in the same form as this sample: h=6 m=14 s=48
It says h=11 m=42 s=9
